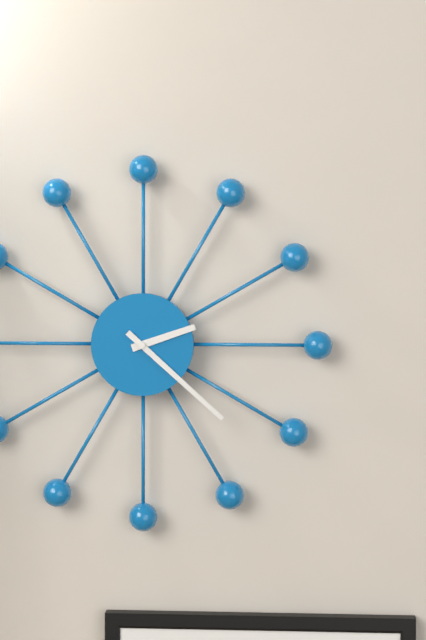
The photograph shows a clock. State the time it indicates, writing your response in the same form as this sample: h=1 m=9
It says h=2 m=22
